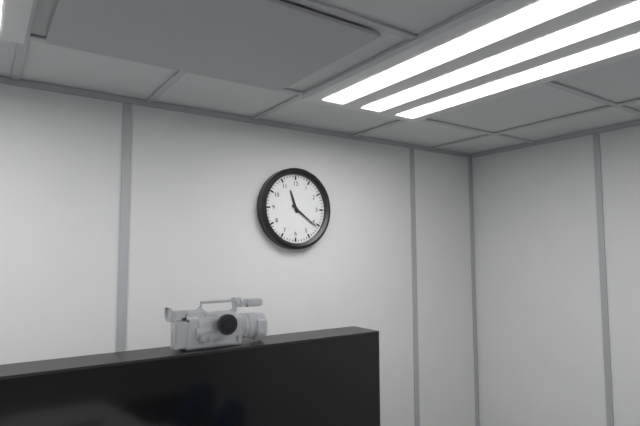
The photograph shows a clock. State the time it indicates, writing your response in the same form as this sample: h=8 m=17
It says h=11 m=21
